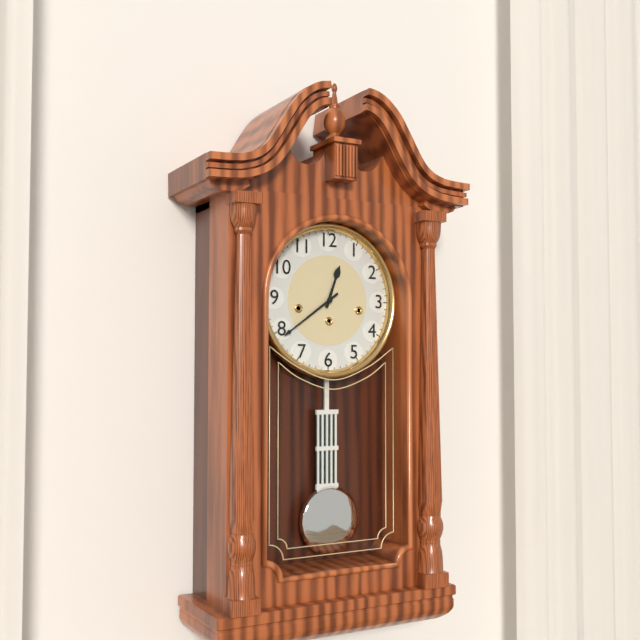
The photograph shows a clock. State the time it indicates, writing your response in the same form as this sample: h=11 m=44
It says h=12 m=39
